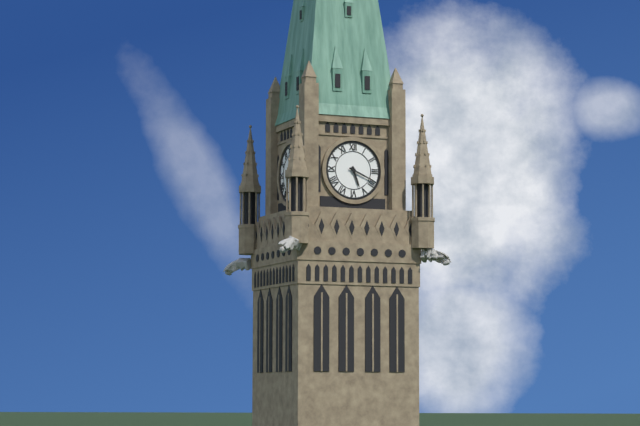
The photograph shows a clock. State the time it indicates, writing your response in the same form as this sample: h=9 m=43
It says h=5 m=19
